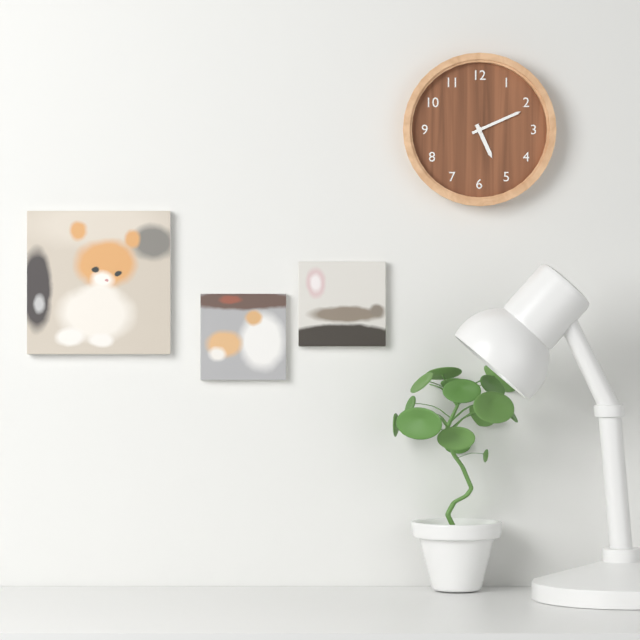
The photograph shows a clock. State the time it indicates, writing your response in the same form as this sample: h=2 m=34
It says h=5 m=11
